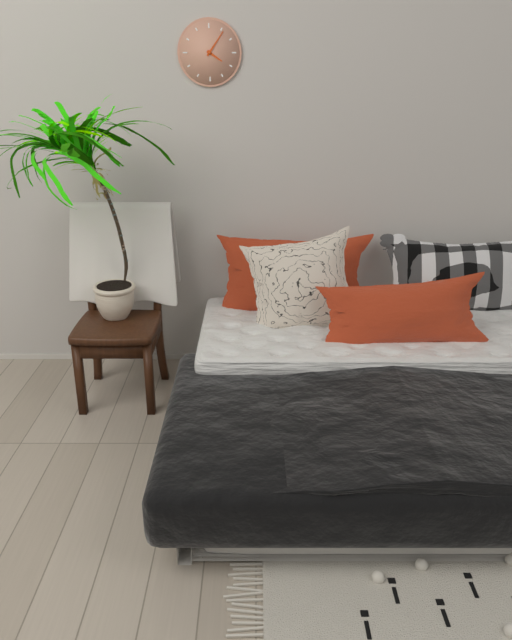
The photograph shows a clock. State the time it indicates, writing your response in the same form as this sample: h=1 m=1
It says h=4 m=6
